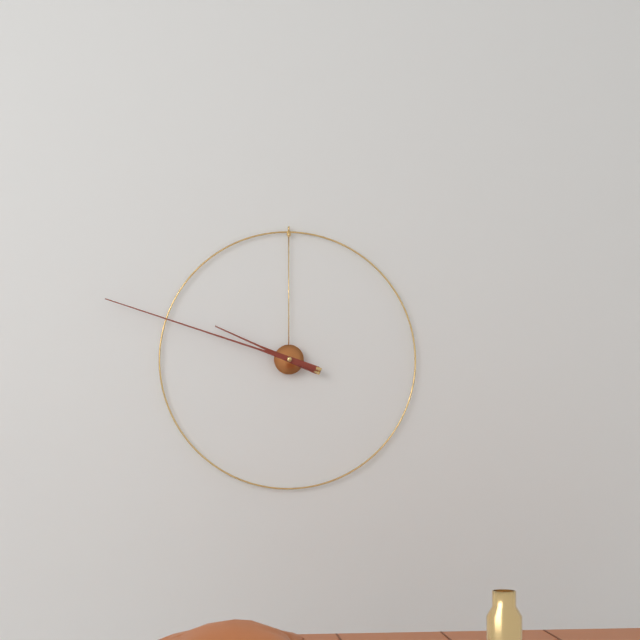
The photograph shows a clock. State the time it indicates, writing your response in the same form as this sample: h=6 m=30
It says h=9 m=48
